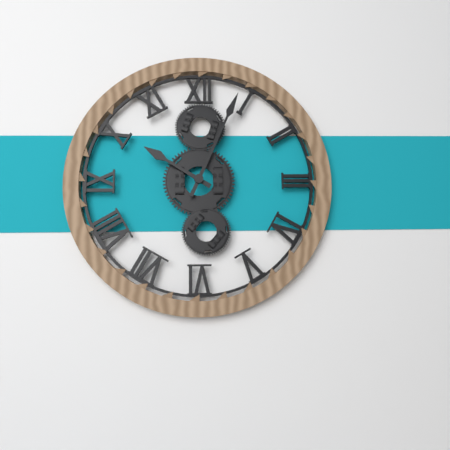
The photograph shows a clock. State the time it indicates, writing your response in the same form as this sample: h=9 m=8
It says h=10 m=4
